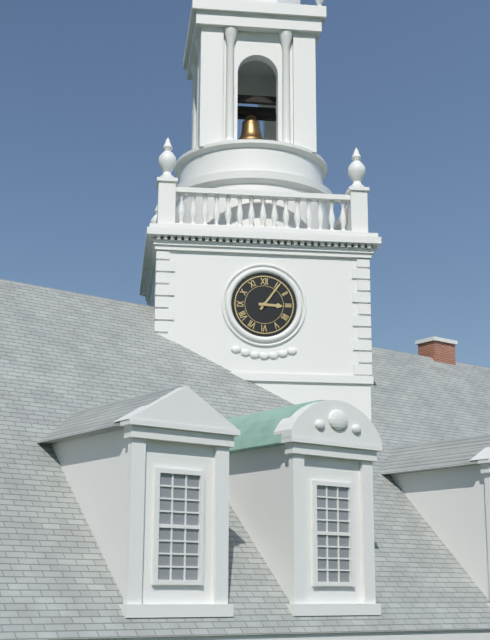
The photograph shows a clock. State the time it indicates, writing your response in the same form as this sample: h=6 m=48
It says h=3 m=6
